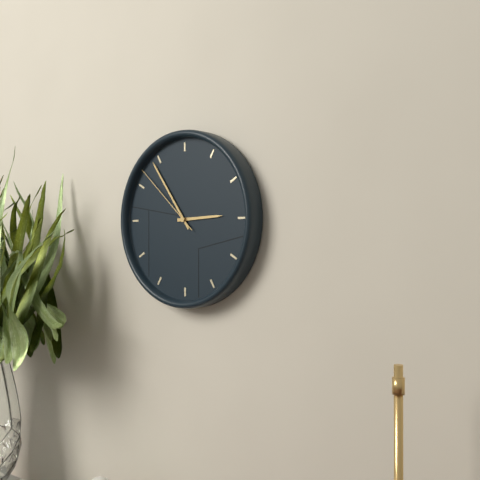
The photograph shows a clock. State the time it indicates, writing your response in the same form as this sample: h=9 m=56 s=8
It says h=2 m=54 s=52
